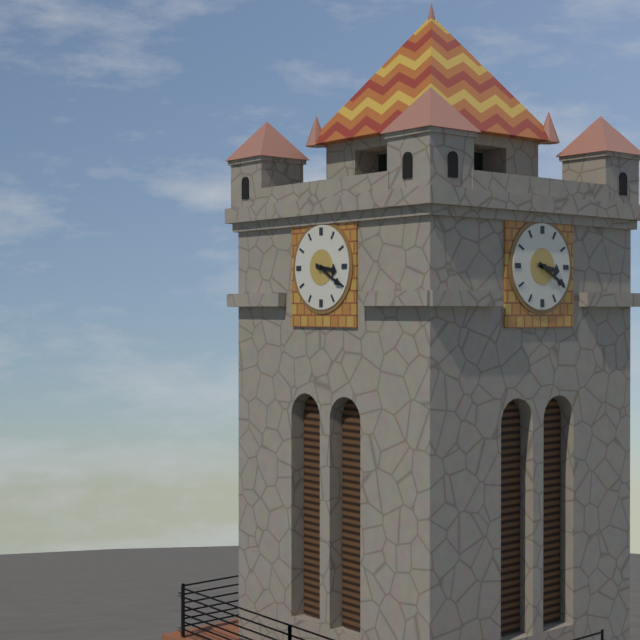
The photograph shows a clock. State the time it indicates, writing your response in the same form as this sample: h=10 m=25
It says h=3 m=20
